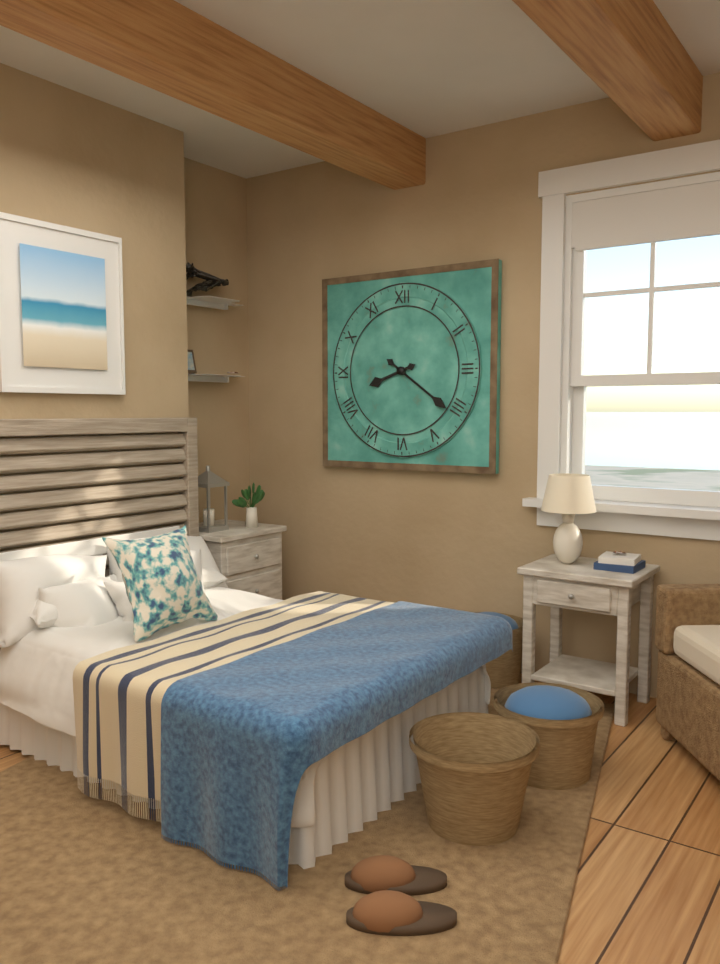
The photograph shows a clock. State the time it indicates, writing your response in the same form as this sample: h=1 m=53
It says h=8 m=21
